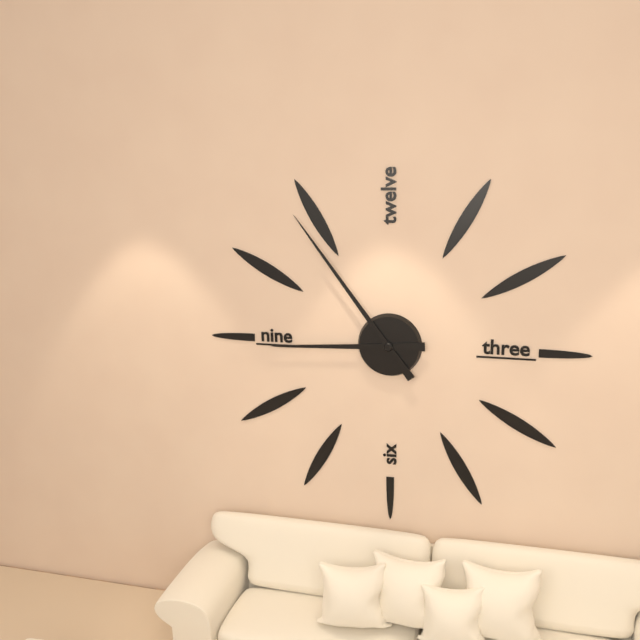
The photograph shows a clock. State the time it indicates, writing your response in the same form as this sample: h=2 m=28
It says h=8 m=54
